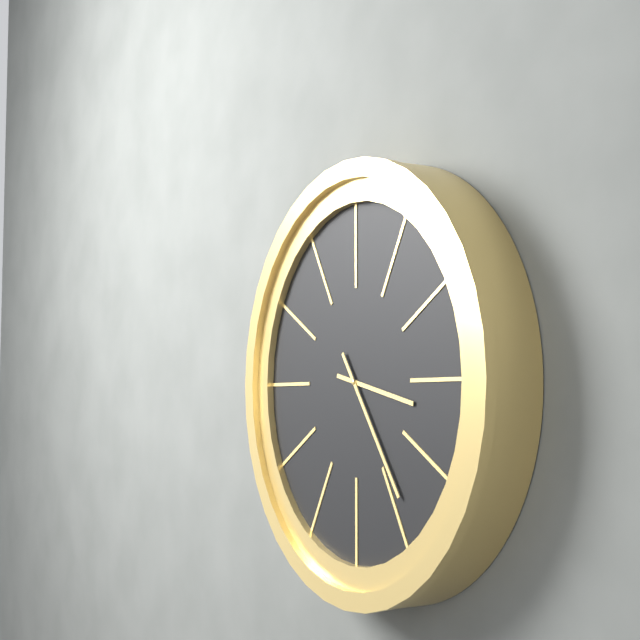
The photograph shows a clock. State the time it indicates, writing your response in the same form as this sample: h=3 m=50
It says h=3 m=24
